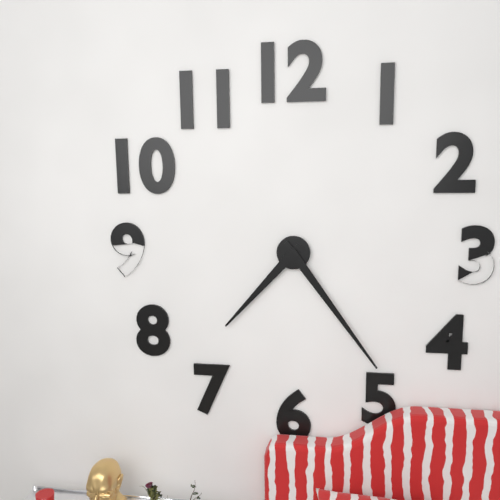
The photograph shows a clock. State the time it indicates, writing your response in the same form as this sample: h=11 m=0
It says h=7 m=24
